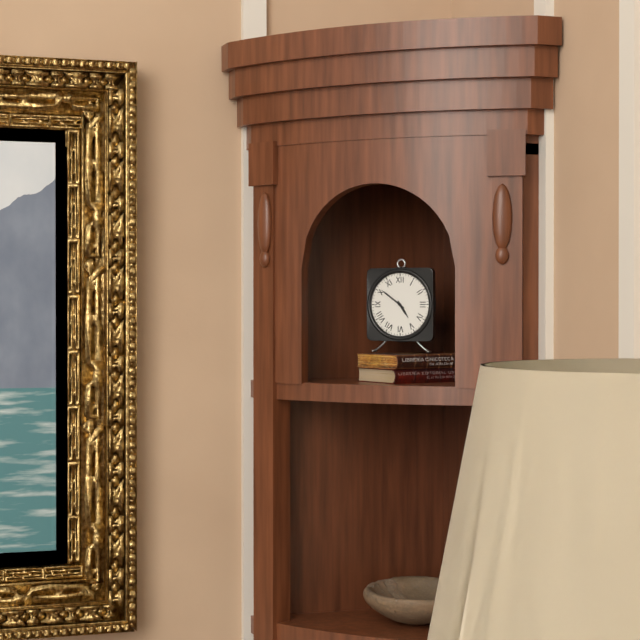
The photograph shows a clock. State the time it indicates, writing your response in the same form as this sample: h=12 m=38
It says h=4 m=51
